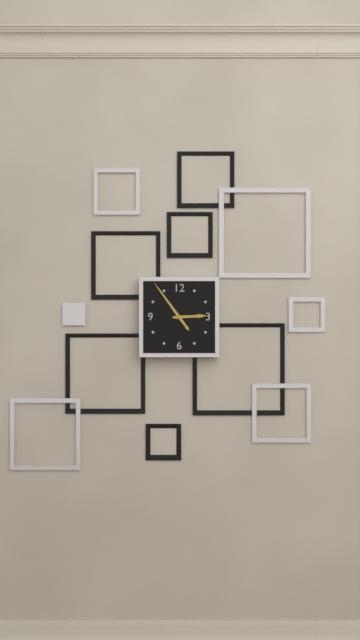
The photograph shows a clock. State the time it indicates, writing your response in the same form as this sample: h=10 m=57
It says h=2 m=54
